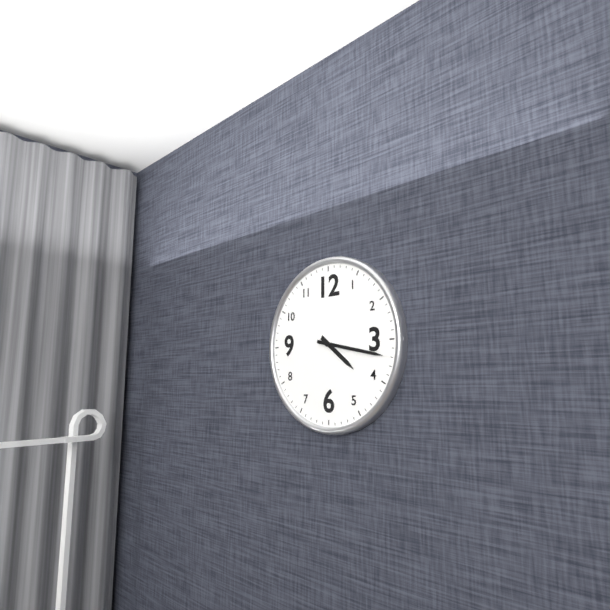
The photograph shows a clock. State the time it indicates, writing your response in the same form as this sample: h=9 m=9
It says h=4 m=17
